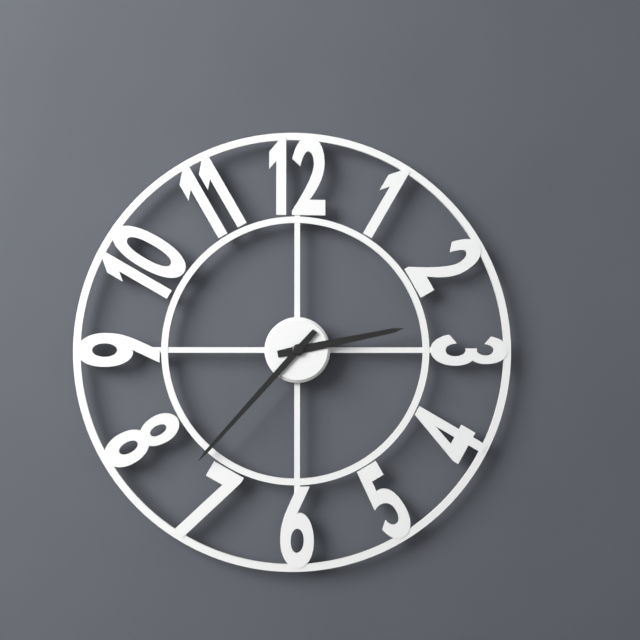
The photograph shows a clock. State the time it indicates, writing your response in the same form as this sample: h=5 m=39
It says h=2 m=37
